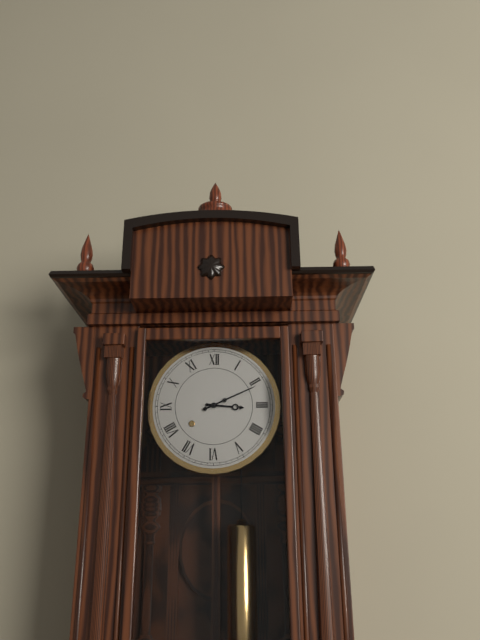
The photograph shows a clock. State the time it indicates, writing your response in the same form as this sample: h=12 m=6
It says h=3 m=11
